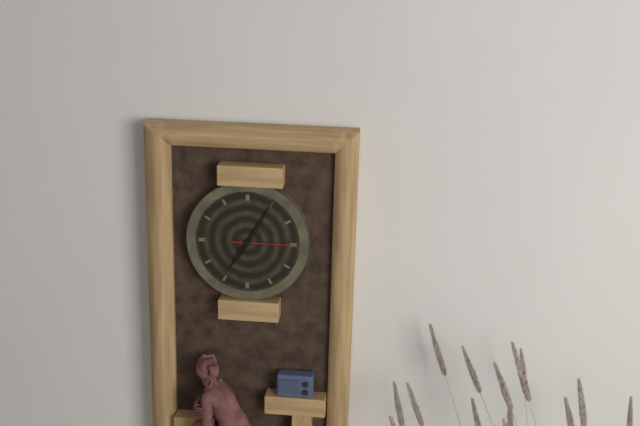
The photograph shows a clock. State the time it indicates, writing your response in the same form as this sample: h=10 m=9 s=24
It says h=7 m=5 s=15
